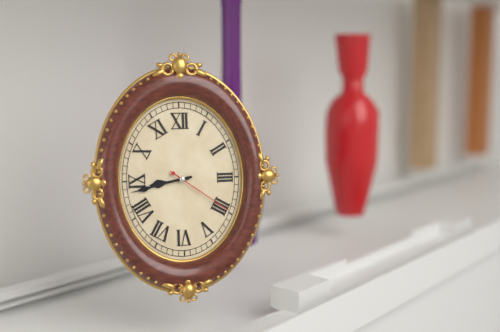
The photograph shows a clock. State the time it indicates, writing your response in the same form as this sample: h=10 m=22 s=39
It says h=8 m=43 s=21
